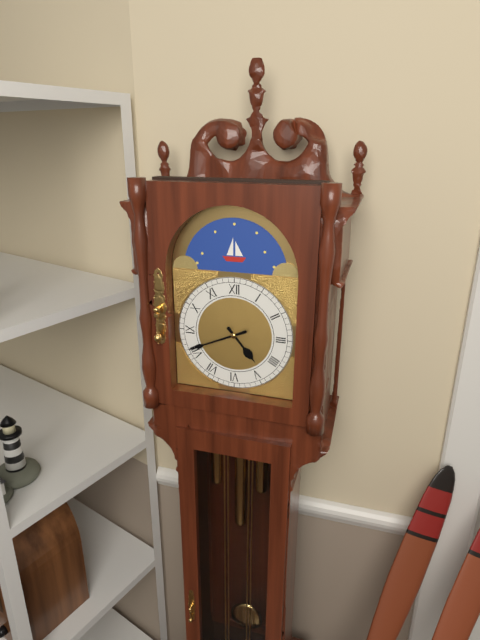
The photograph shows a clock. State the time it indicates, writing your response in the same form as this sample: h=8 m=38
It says h=4 m=41
